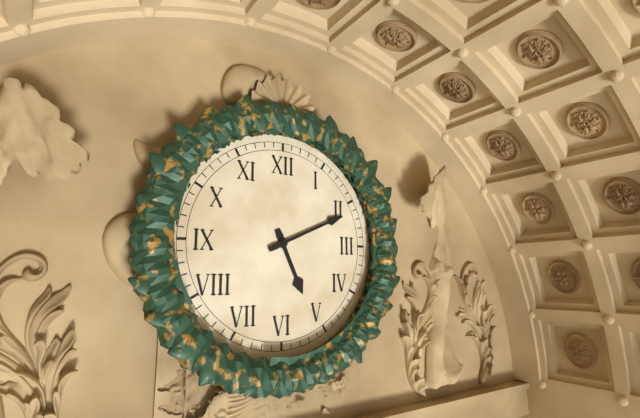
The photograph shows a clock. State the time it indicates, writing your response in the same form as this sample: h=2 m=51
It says h=5 m=11
